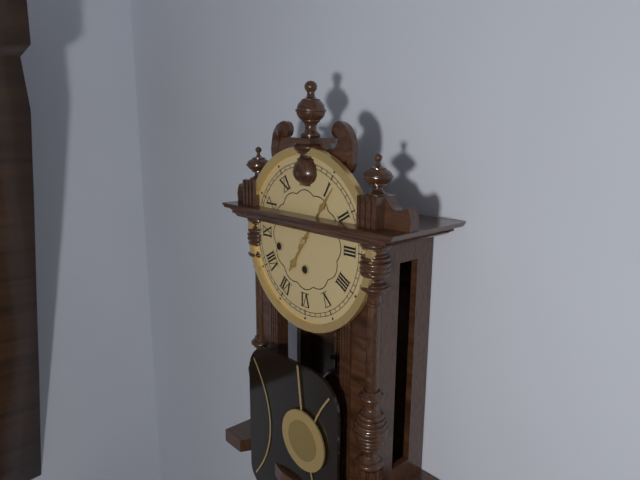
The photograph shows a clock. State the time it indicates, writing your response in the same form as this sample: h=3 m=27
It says h=7 m=6
